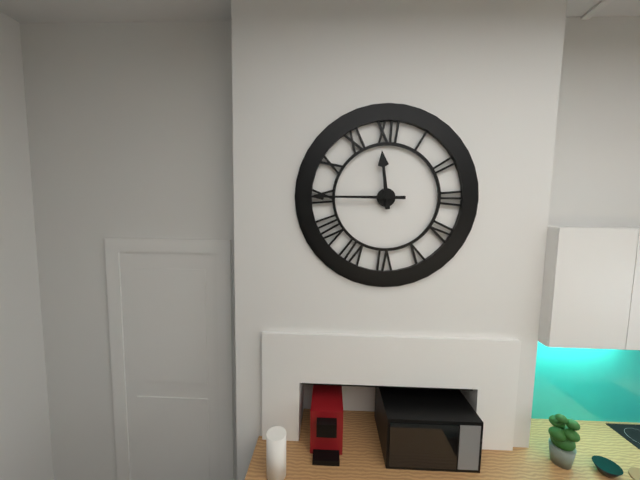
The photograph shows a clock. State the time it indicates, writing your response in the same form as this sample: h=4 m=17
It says h=11 m=45
